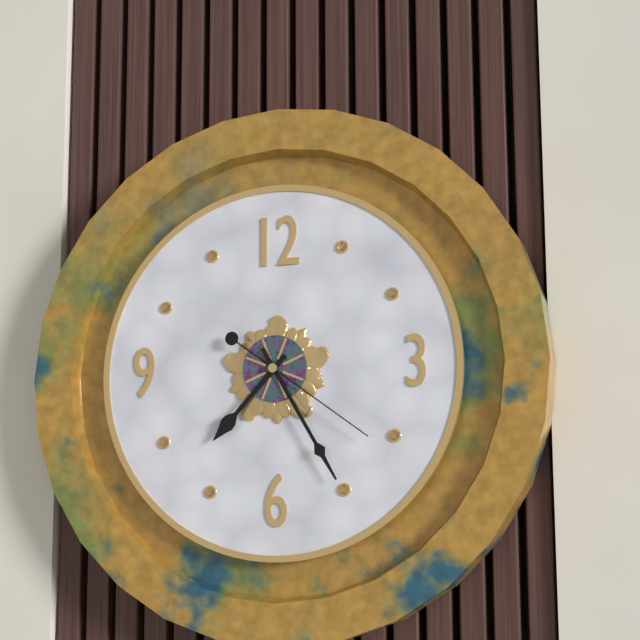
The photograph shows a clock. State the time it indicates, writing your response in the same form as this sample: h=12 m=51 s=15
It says h=7 m=25 s=21
